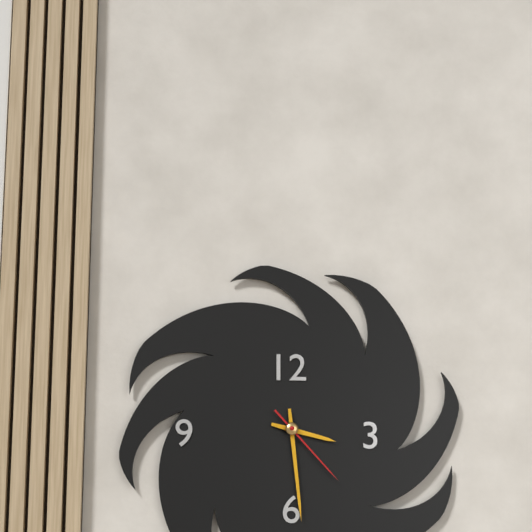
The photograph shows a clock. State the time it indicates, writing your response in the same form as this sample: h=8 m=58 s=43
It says h=3 m=29 s=23
